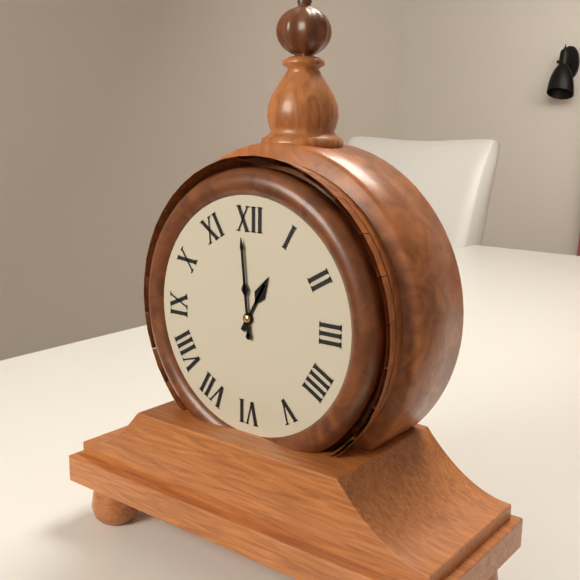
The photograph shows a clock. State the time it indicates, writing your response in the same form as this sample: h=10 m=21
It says h=12 m=59
